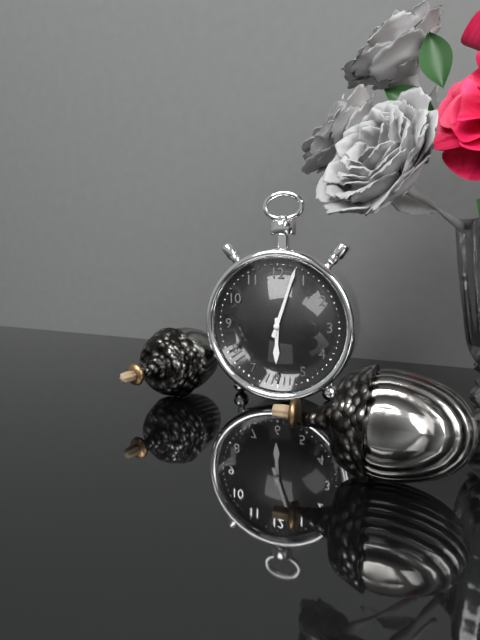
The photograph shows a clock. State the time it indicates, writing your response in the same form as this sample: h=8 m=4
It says h=6 m=3
